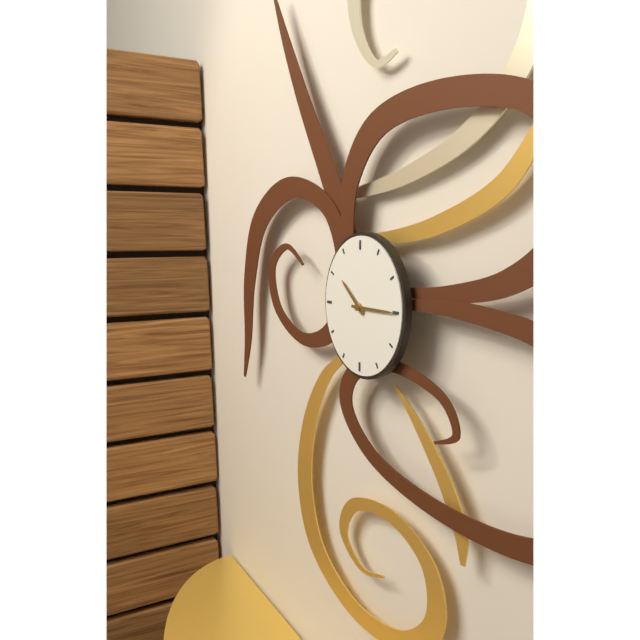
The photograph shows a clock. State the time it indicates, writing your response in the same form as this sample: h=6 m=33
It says h=10 m=15
